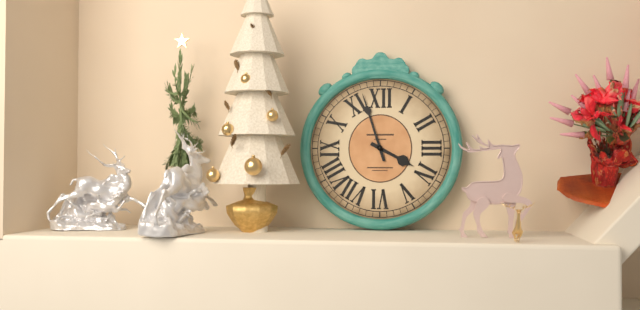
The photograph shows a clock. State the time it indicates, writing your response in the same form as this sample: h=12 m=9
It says h=3 m=57
